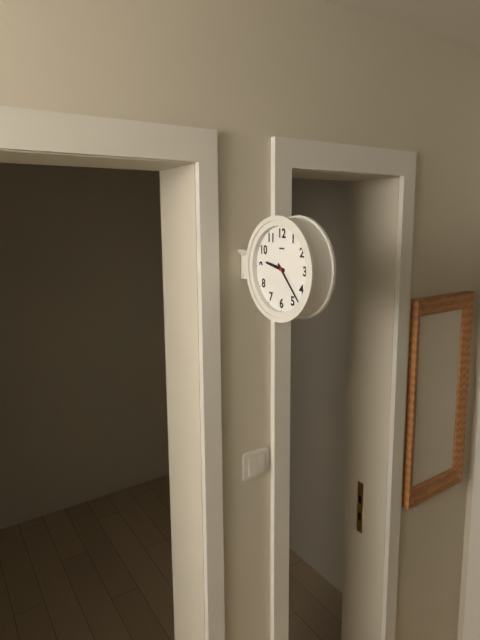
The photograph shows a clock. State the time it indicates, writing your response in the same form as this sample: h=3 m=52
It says h=9 m=23
